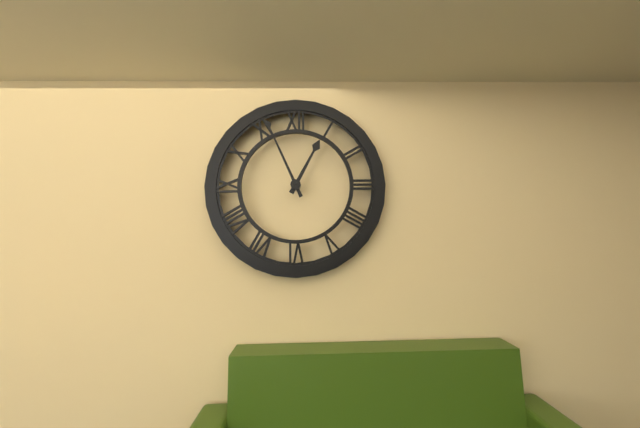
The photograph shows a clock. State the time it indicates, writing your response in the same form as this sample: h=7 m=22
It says h=12 m=56
